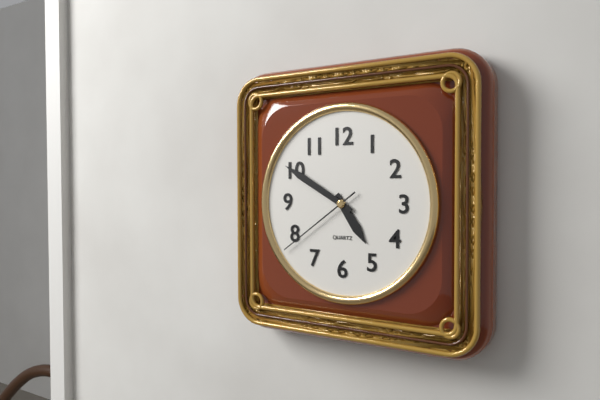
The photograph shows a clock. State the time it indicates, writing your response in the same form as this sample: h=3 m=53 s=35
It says h=4 m=50 s=39
